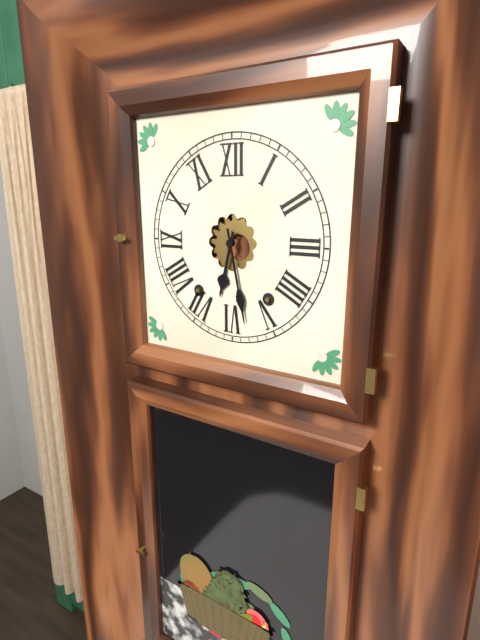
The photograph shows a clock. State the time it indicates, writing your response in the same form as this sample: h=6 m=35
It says h=6 m=28
